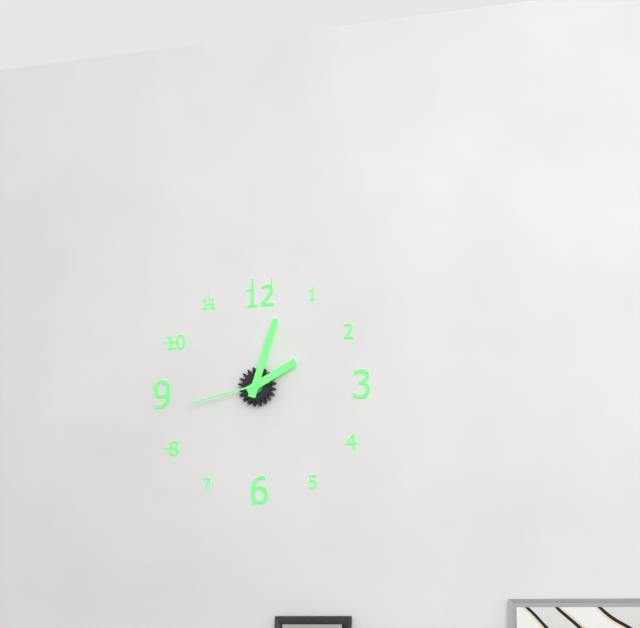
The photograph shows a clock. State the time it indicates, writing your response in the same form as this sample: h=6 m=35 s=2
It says h=2 m=3 s=43
